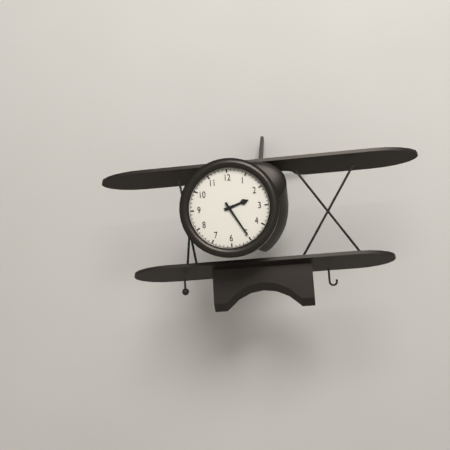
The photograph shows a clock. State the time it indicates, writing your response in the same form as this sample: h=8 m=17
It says h=2 m=25
